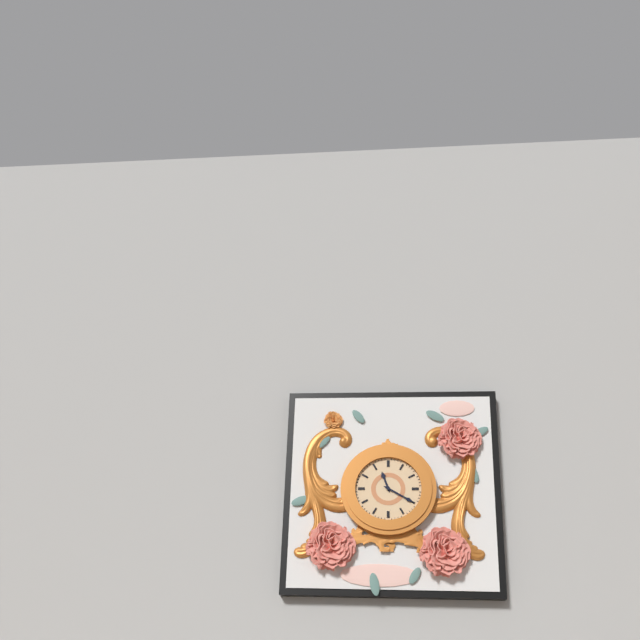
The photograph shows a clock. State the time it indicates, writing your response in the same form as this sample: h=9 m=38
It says h=11 m=20
